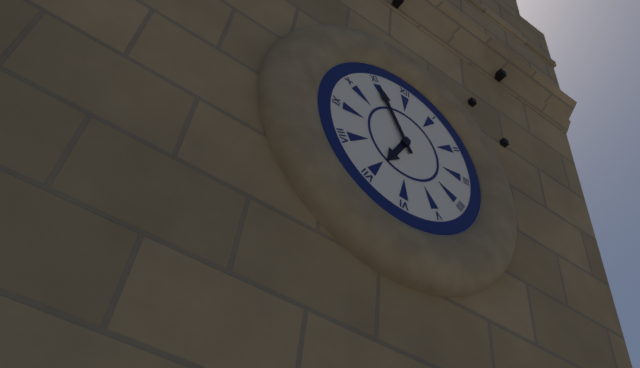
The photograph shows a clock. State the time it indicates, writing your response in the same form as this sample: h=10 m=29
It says h=6 m=55
